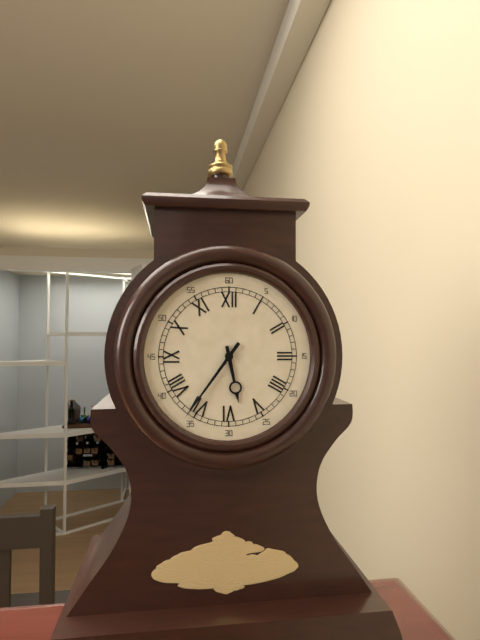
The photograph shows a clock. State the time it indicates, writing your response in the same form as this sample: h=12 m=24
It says h=5 m=36
